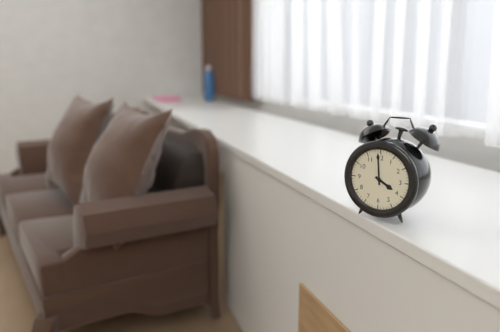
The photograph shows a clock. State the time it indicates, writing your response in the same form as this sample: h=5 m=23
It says h=3 m=59
